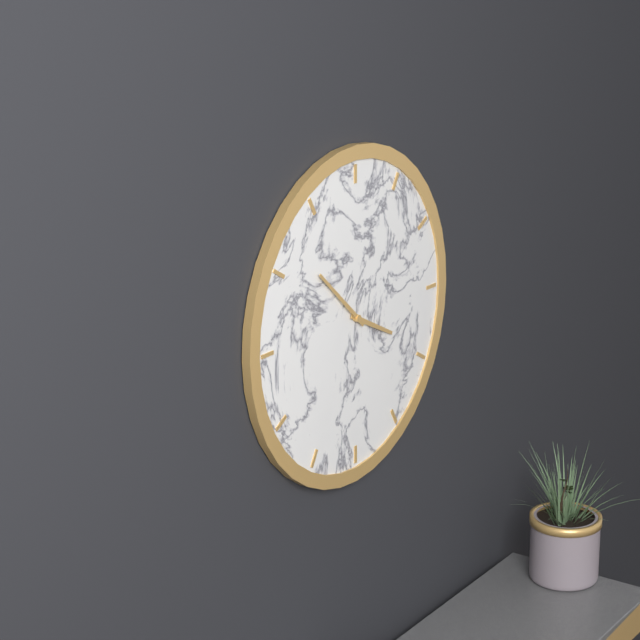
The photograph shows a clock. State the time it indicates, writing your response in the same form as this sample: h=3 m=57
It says h=3 m=52
